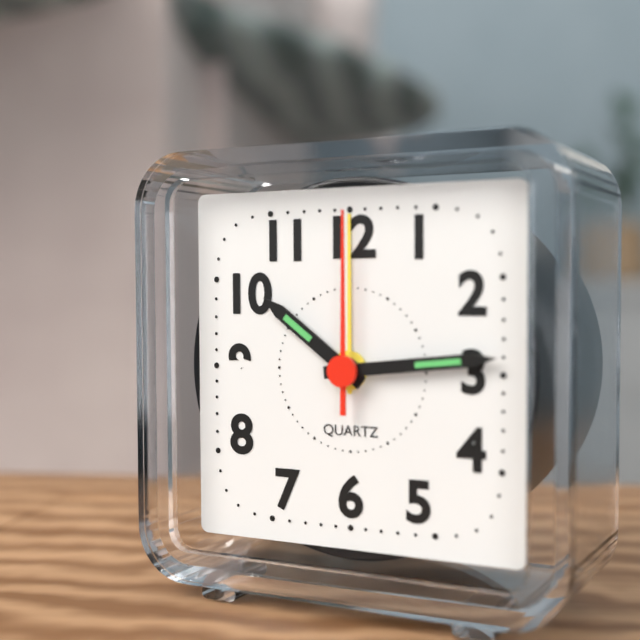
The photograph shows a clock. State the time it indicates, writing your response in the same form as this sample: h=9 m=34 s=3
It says h=10 m=14 s=0
